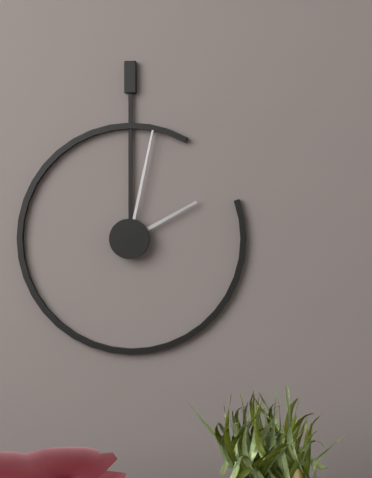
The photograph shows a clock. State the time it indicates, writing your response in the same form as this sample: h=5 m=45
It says h=2 m=2
